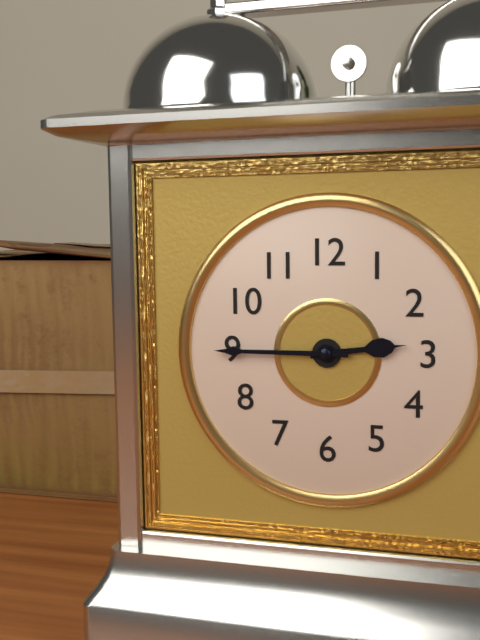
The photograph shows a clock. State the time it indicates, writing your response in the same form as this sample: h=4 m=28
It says h=2 m=45
